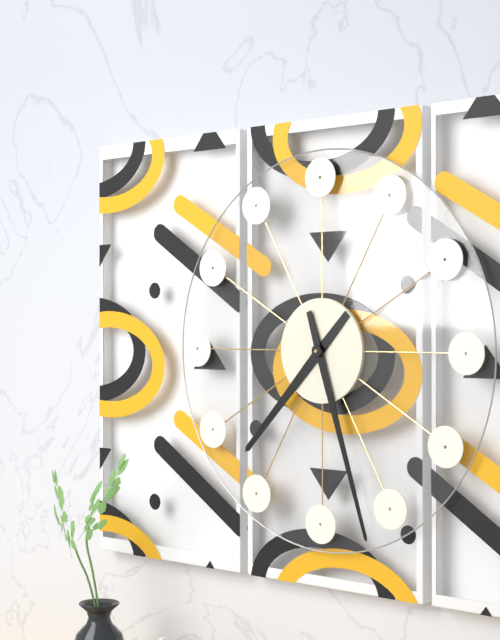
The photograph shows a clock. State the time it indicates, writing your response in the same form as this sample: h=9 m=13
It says h=7 m=27
